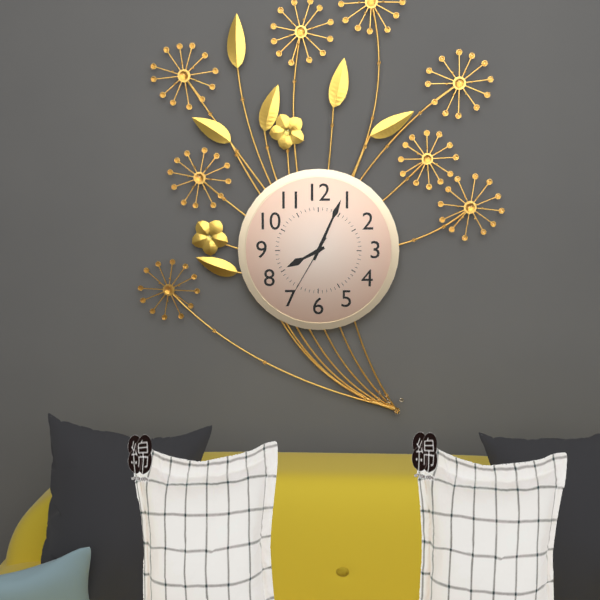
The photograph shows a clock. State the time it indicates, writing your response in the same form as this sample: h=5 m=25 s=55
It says h=8 m=4 s=35
